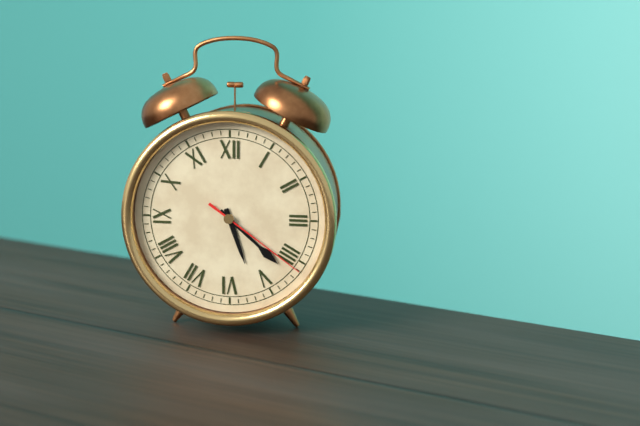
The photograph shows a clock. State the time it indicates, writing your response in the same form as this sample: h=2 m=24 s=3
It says h=5 m=22 s=21
